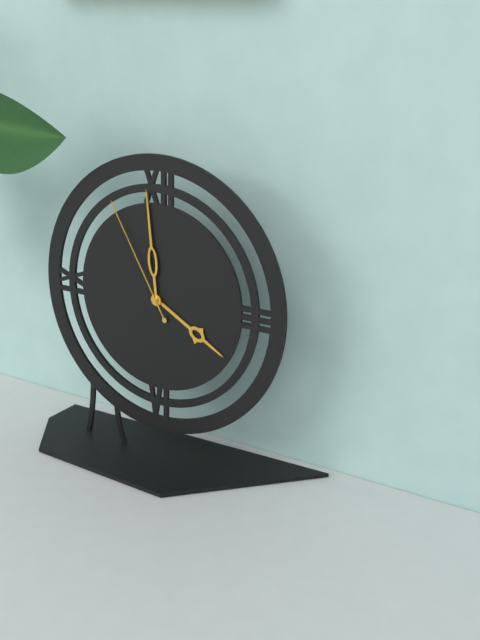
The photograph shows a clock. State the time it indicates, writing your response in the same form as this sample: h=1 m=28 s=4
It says h=3 m=59 s=55
